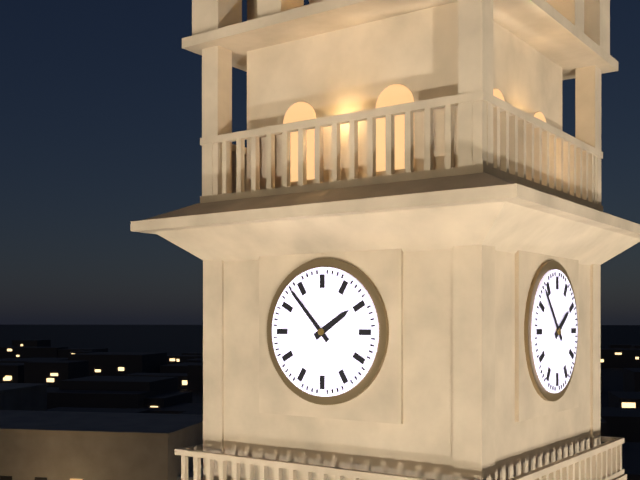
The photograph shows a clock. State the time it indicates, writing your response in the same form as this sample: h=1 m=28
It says h=1 m=53
